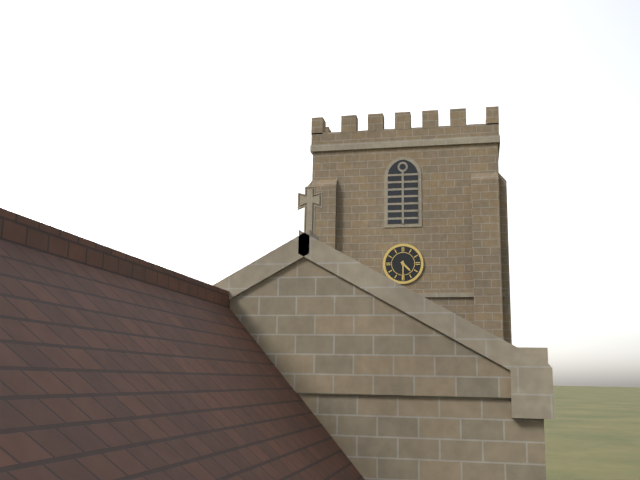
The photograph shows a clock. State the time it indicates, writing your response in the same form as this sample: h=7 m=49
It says h=4 m=30
